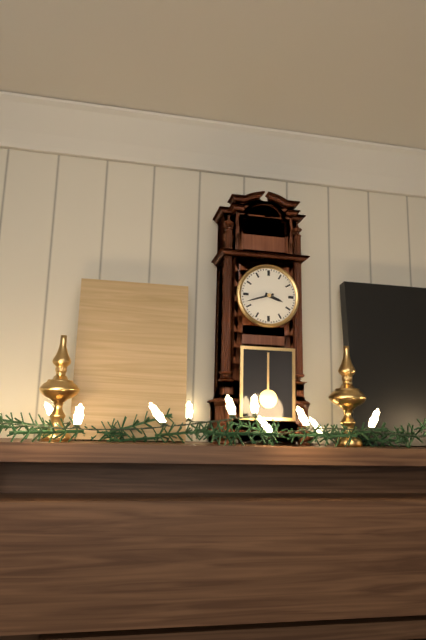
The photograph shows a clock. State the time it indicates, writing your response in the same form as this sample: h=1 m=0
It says h=3 m=42
